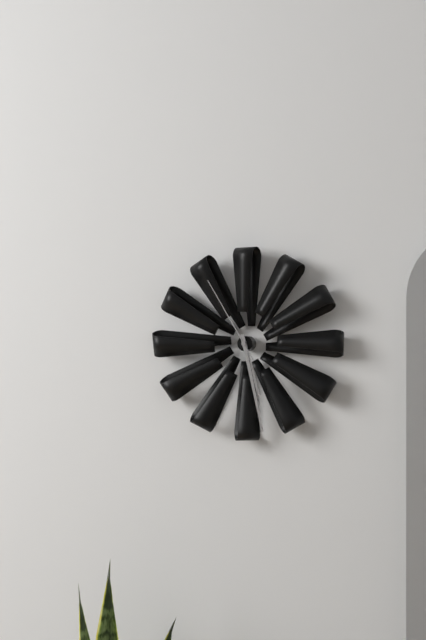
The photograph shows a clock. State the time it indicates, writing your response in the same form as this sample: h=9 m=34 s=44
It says h=5 m=28 s=55
